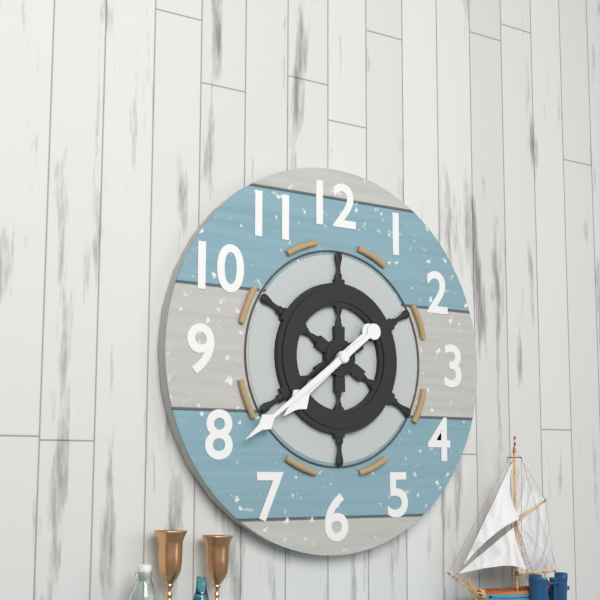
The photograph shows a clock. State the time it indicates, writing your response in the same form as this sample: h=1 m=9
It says h=7 m=39
